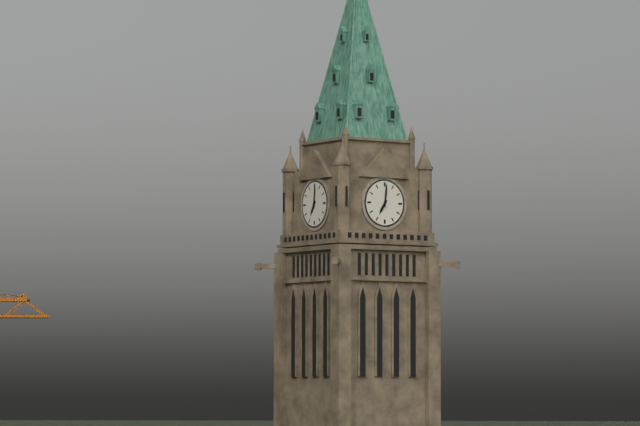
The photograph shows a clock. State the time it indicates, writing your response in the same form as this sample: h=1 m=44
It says h=7 m=1
